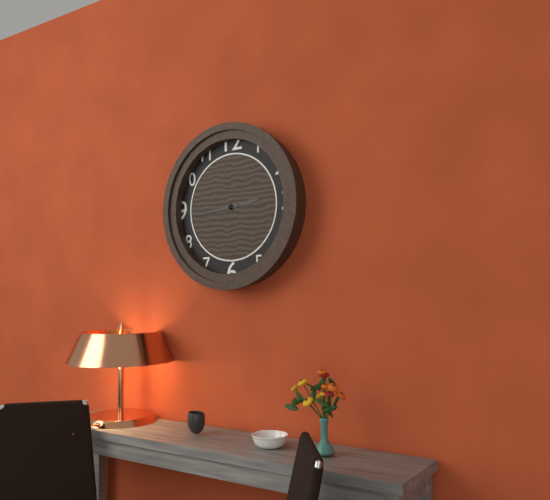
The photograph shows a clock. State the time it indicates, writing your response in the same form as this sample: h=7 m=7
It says h=2 m=44
